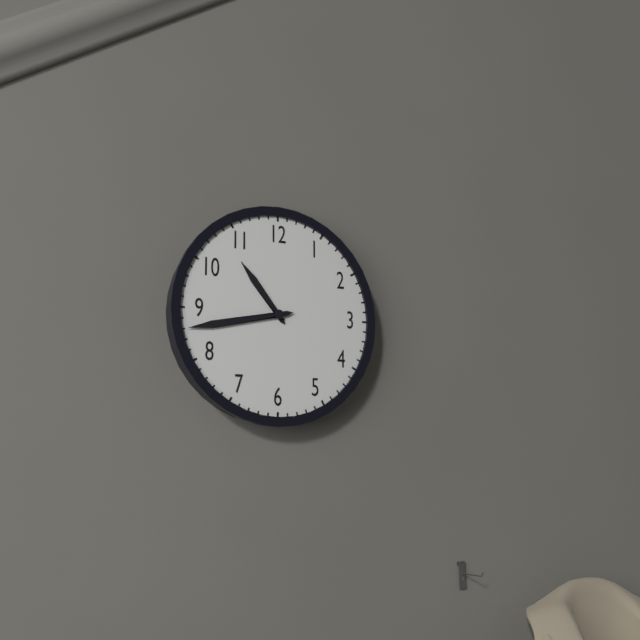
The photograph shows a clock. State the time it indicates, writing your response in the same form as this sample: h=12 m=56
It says h=10 m=43
